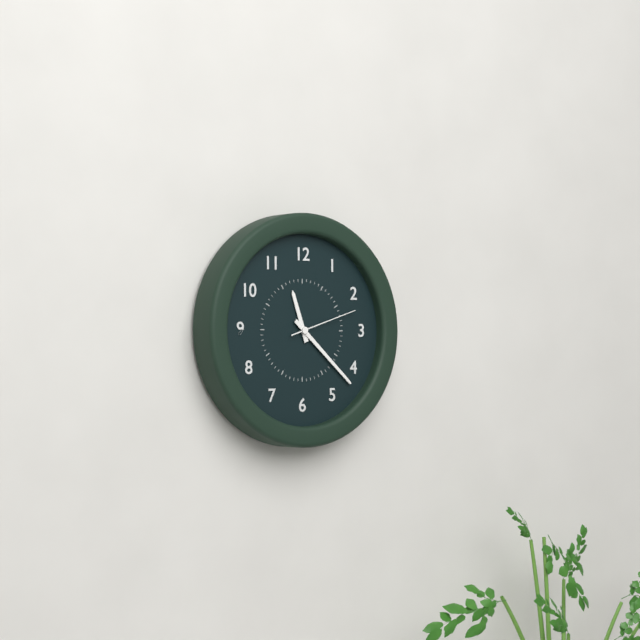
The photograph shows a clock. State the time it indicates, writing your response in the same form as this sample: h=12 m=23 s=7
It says h=11 m=22 s=12
